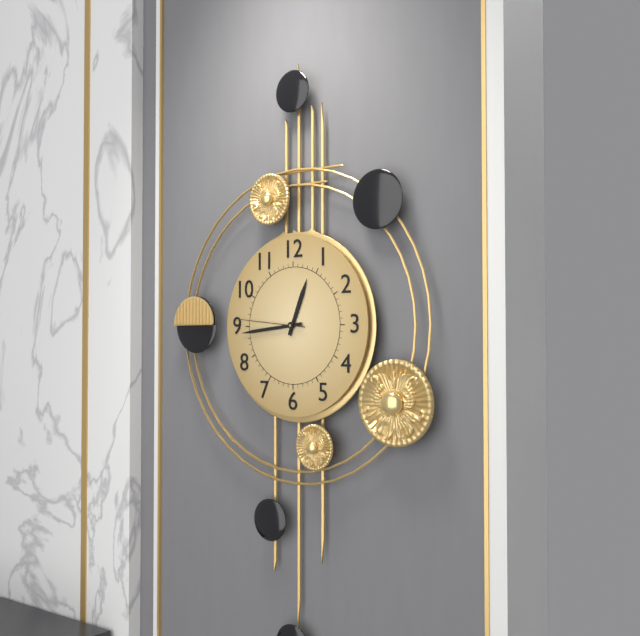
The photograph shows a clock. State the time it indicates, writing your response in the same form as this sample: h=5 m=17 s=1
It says h=12 m=44 s=46
